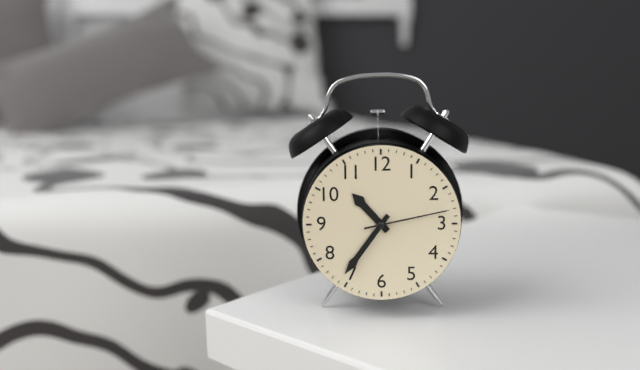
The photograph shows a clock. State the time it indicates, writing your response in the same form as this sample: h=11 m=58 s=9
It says h=10 m=36 s=13
